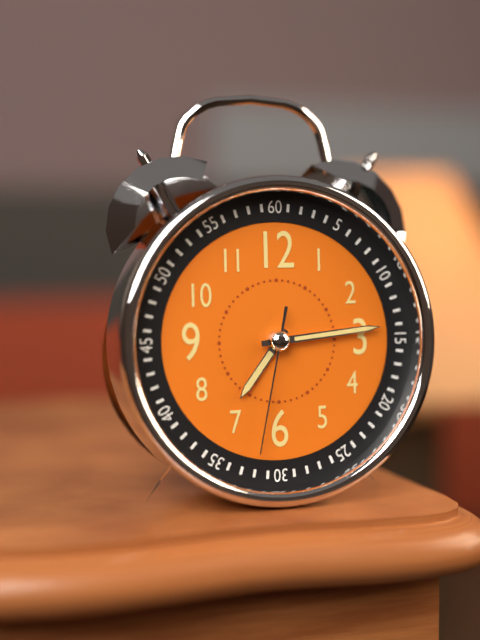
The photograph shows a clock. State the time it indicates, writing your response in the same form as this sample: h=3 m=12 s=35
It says h=7 m=14 s=32
